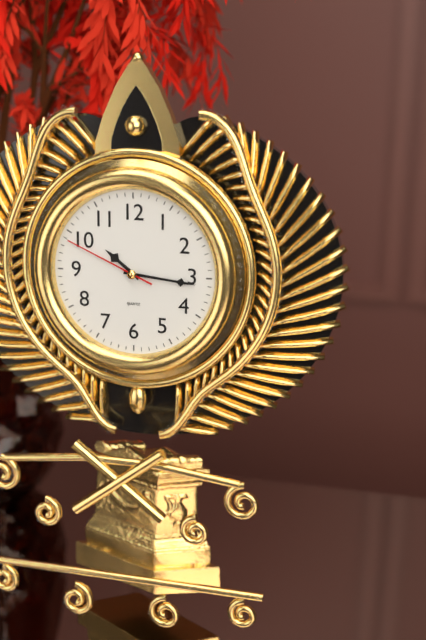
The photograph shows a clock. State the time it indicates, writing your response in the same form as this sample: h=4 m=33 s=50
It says h=10 m=16 s=49
